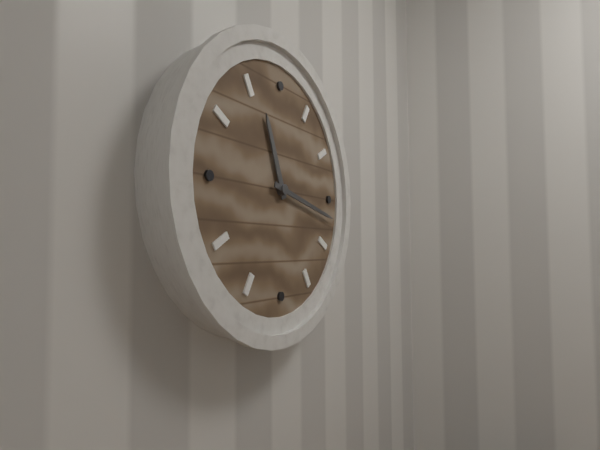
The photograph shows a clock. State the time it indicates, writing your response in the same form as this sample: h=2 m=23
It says h=11 m=17
